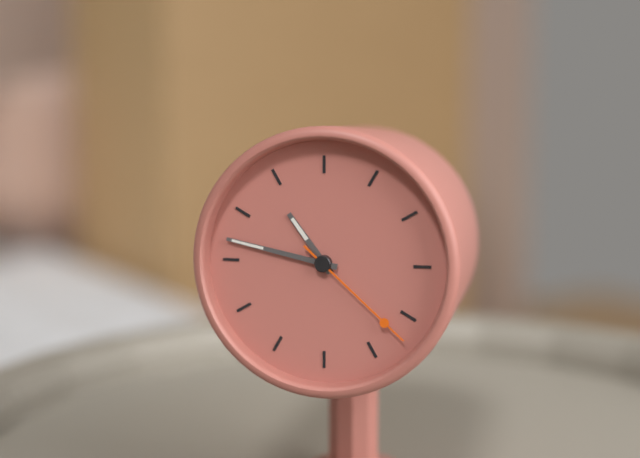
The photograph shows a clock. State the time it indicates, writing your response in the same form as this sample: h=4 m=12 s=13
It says h=10 m=47 s=22
